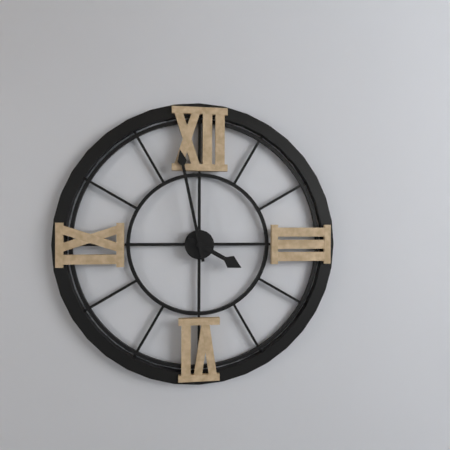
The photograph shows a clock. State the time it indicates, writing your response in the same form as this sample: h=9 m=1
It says h=3 m=58
